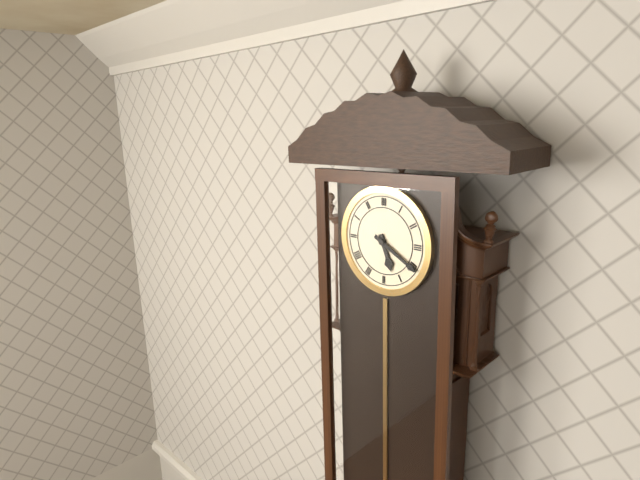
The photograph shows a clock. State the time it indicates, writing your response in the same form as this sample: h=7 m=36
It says h=5 m=20
